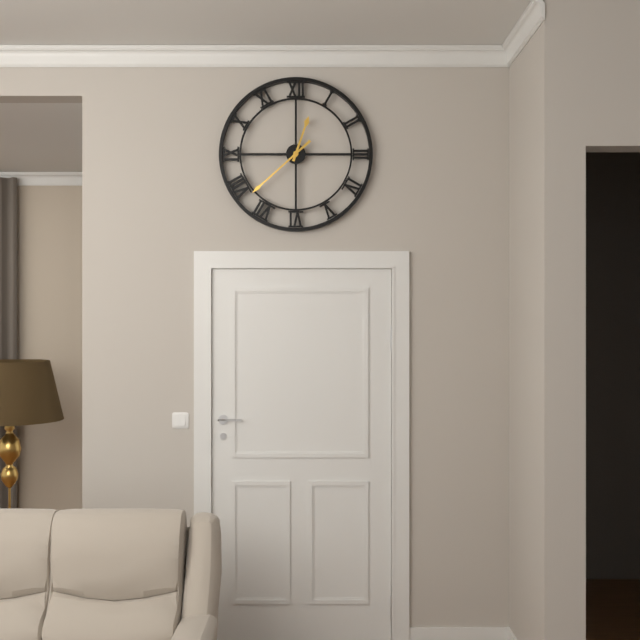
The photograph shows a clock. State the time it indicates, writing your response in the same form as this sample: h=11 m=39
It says h=12 m=38
